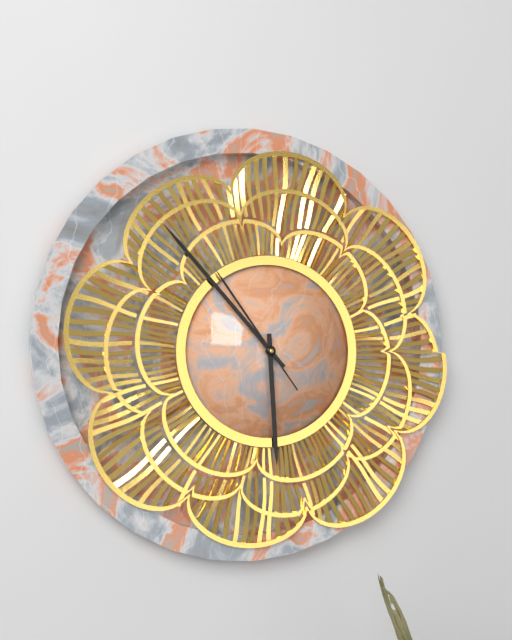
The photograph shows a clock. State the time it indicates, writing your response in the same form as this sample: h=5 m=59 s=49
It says h=5 m=53 s=54
